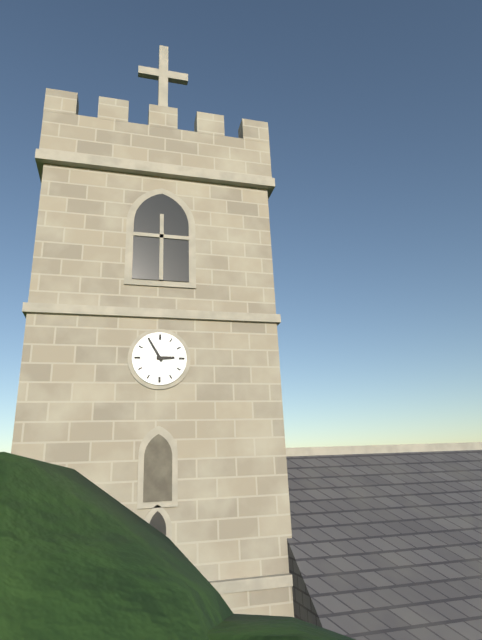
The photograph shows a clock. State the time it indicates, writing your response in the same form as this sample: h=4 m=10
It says h=2 m=55
